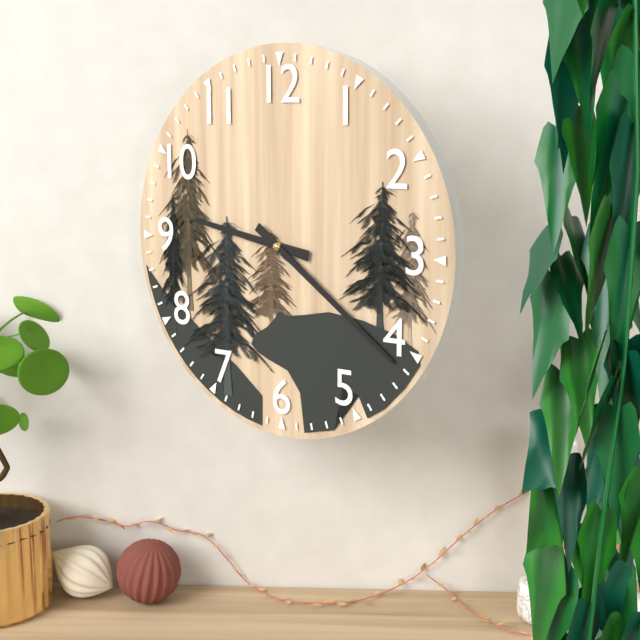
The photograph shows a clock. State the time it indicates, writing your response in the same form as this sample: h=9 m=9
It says h=9 m=21
